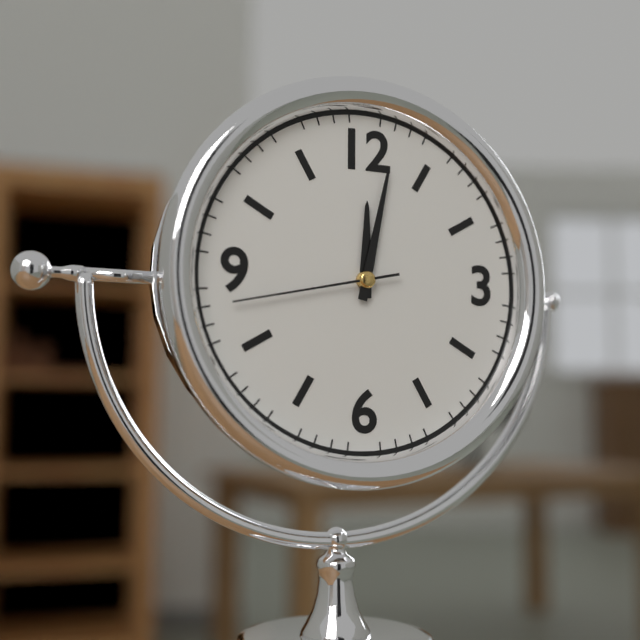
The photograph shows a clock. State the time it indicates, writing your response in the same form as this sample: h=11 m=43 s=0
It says h=12 m=2 s=43
